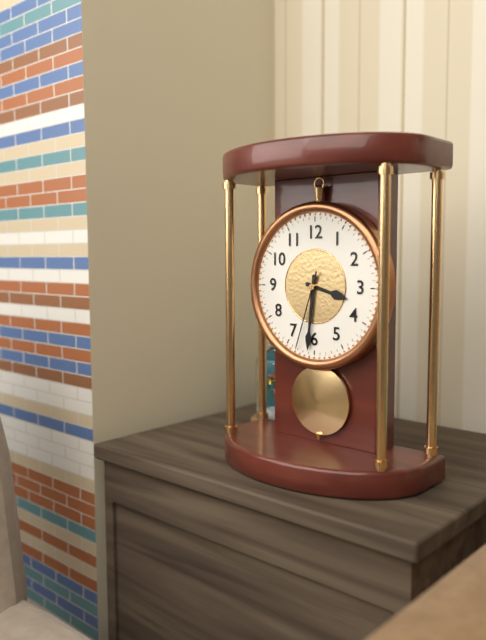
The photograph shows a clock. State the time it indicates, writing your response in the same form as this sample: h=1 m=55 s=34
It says h=3 m=31 s=33
